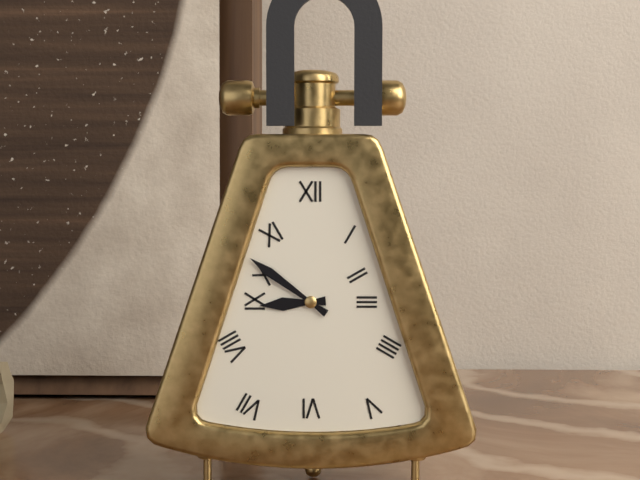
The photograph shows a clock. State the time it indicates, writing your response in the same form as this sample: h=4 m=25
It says h=8 m=51
